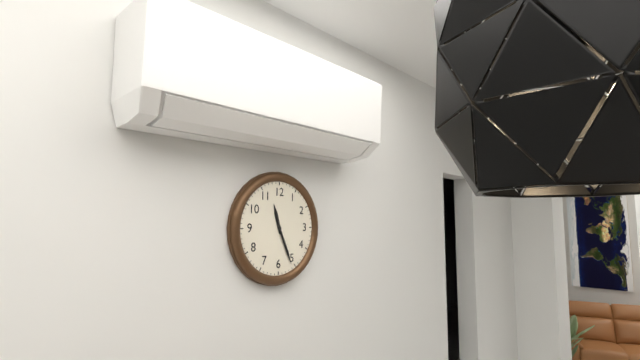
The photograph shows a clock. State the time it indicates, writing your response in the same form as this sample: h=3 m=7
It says h=11 m=26
